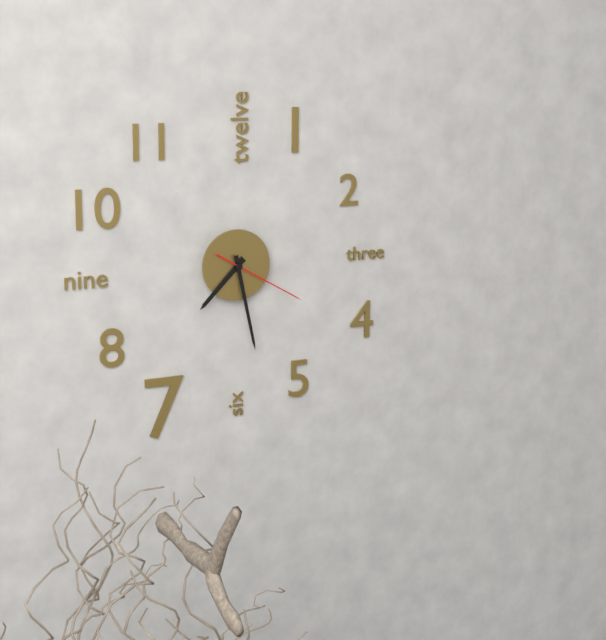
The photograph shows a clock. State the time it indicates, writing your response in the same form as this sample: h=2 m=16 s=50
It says h=7 m=28 s=20
